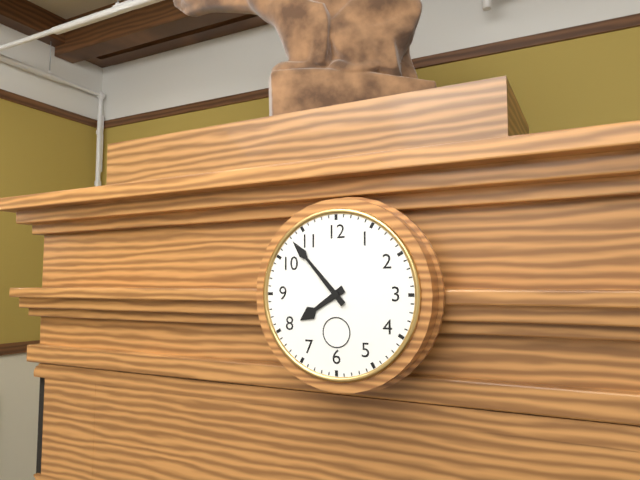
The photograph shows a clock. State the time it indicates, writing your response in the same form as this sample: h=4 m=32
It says h=7 m=53
